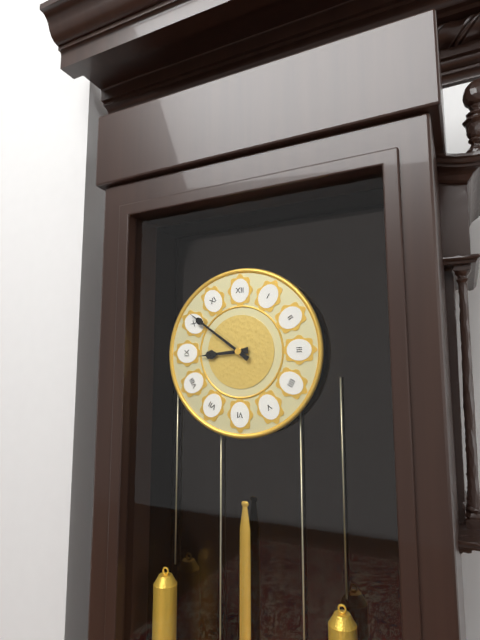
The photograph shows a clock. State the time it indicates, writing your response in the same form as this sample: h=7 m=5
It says h=8 m=51
